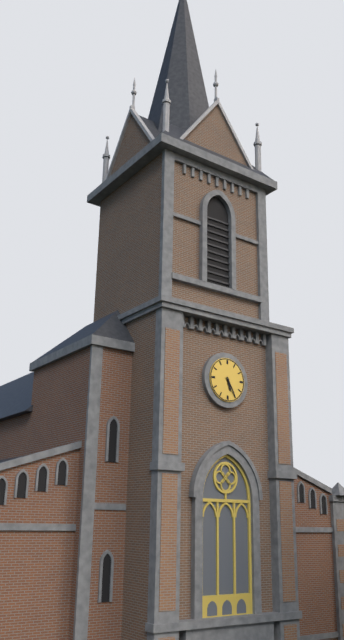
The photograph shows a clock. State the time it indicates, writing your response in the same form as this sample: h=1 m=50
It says h=5 m=25
